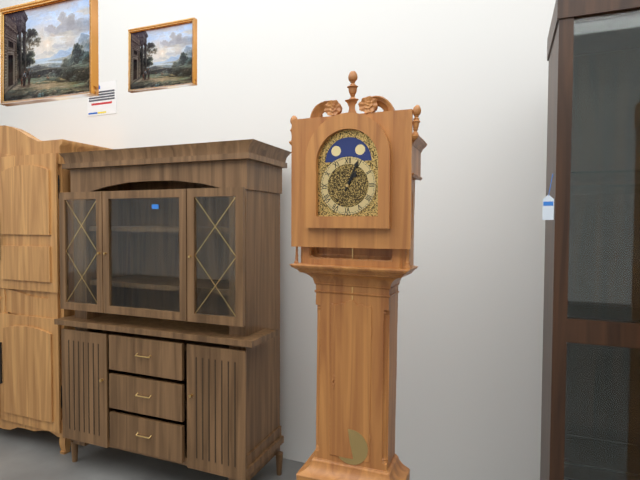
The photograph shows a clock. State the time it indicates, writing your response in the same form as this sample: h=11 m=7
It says h=1 m=4
